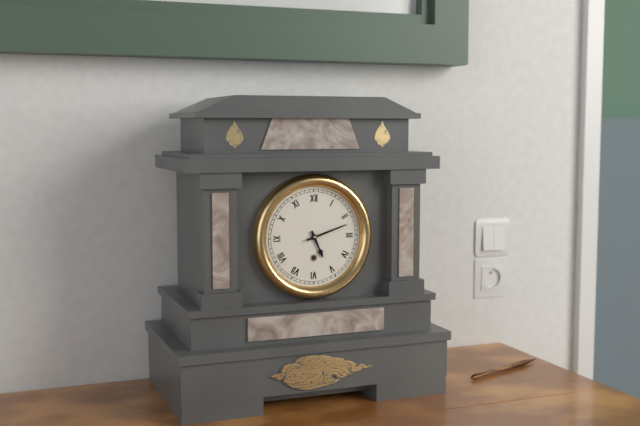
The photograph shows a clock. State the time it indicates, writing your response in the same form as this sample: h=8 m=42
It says h=5 m=12
